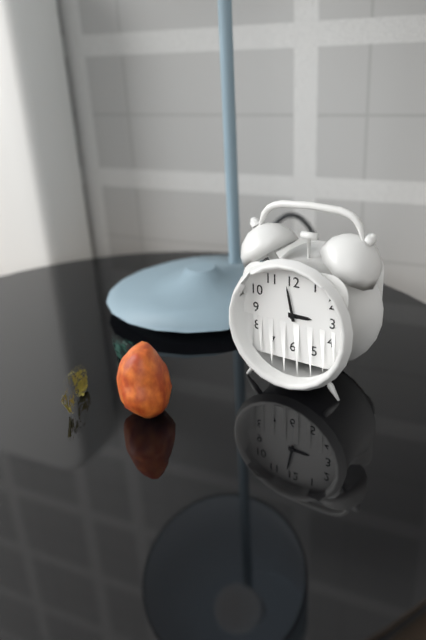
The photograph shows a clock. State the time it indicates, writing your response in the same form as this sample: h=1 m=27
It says h=2 m=58
